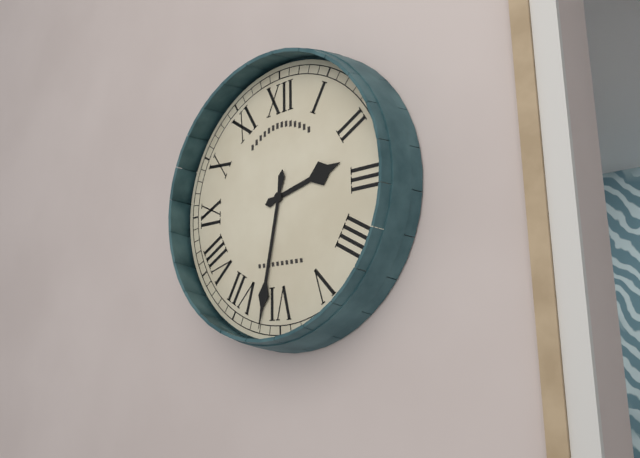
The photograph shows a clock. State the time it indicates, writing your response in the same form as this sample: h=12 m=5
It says h=2 m=32
